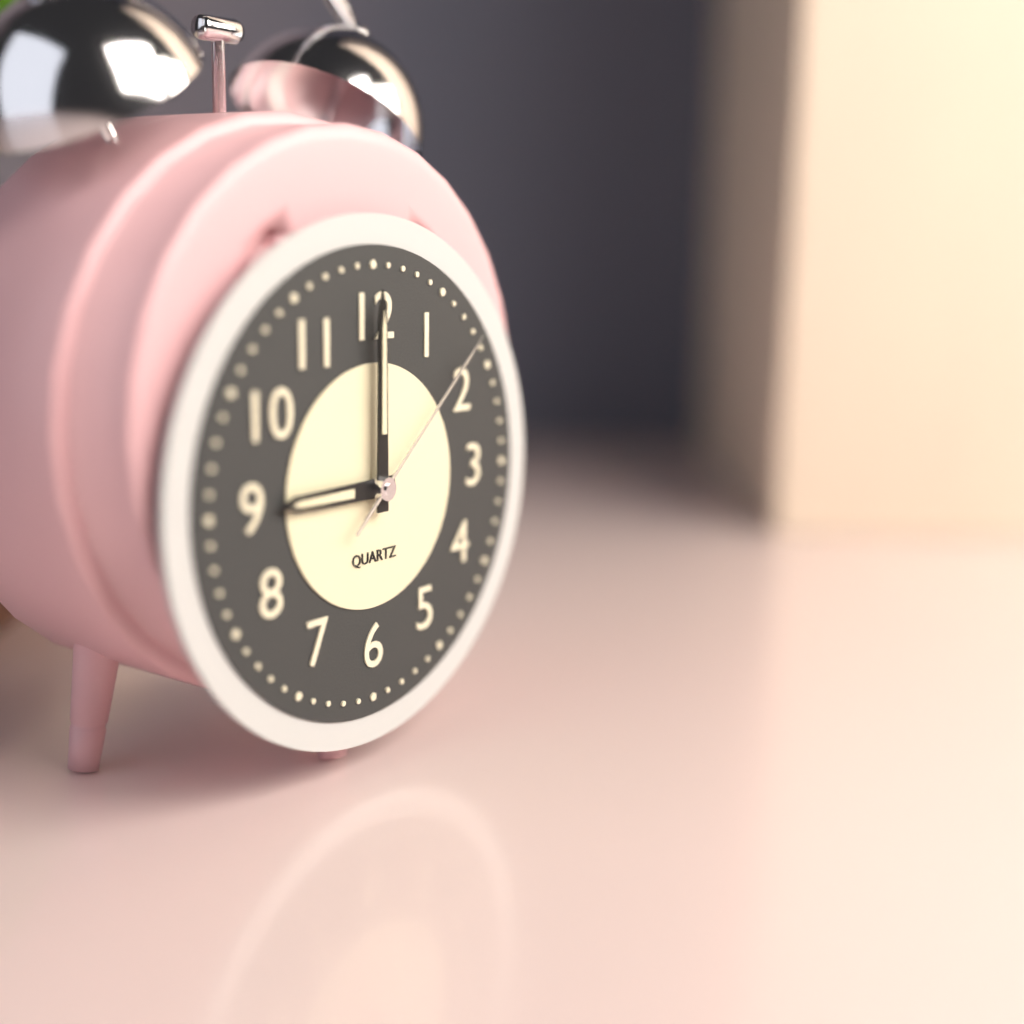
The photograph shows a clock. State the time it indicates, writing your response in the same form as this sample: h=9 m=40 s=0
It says h=9 m=0 s=8
